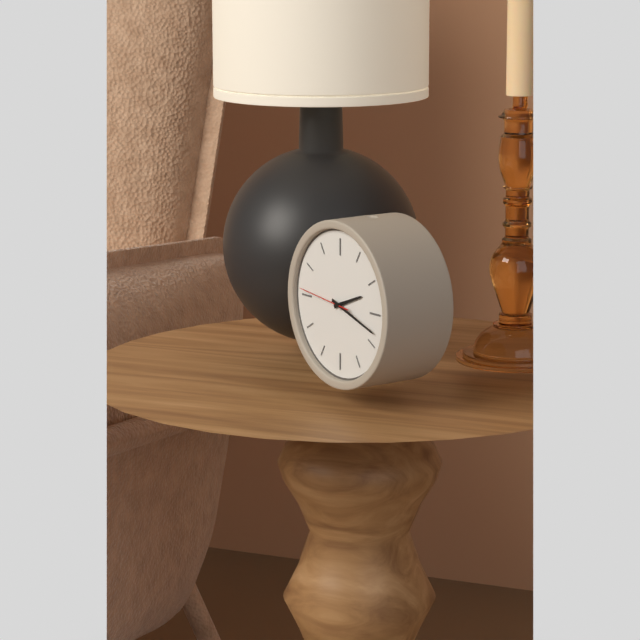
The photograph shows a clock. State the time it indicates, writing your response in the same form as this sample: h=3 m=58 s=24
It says h=2 m=18 s=46
